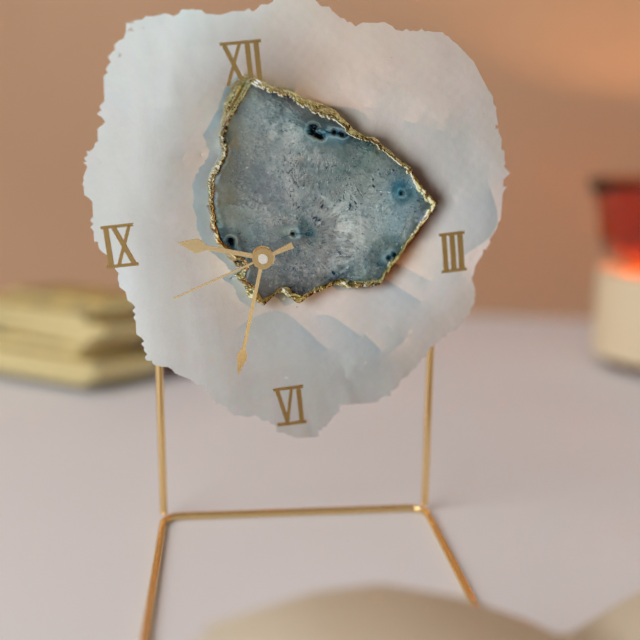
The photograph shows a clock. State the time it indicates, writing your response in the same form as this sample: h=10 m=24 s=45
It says h=9 m=33 s=42
